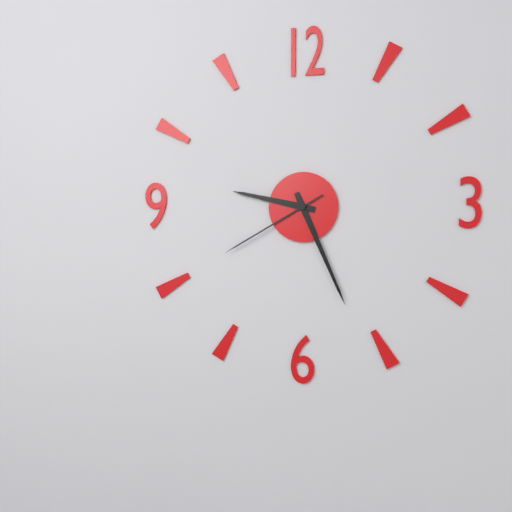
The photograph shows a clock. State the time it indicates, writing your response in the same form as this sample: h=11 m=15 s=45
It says h=9 m=26 s=40
